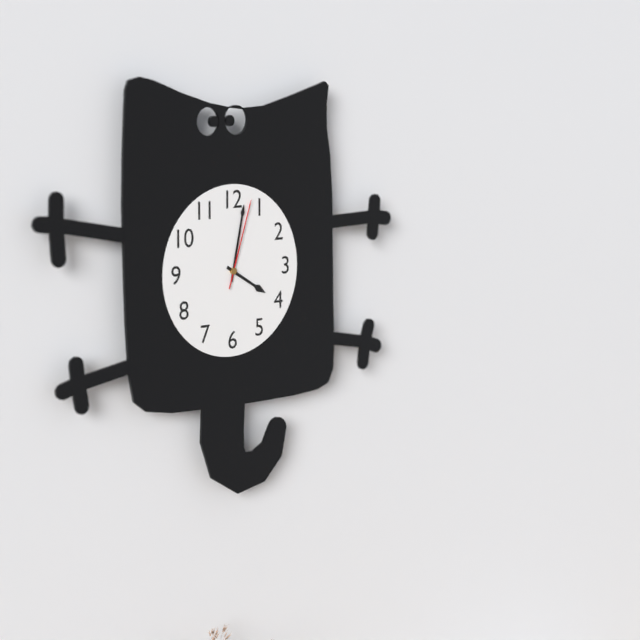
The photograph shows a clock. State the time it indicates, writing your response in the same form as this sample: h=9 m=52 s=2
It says h=4 m=2 s=3
